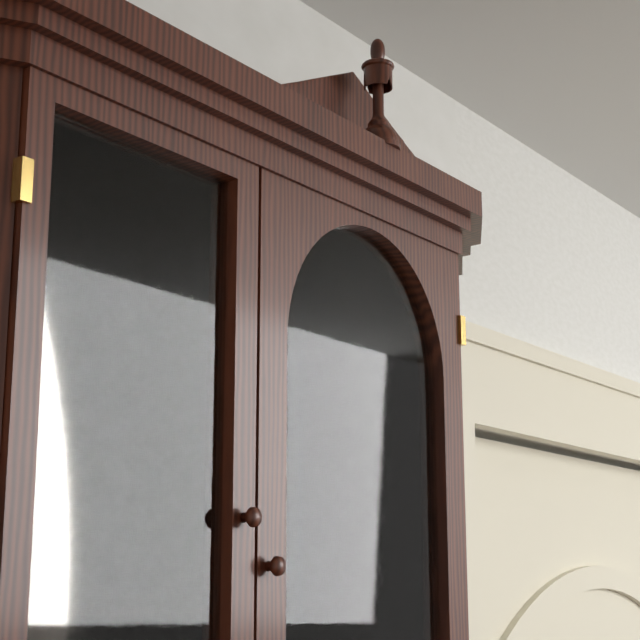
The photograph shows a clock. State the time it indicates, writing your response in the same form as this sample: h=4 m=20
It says h=9 m=4
